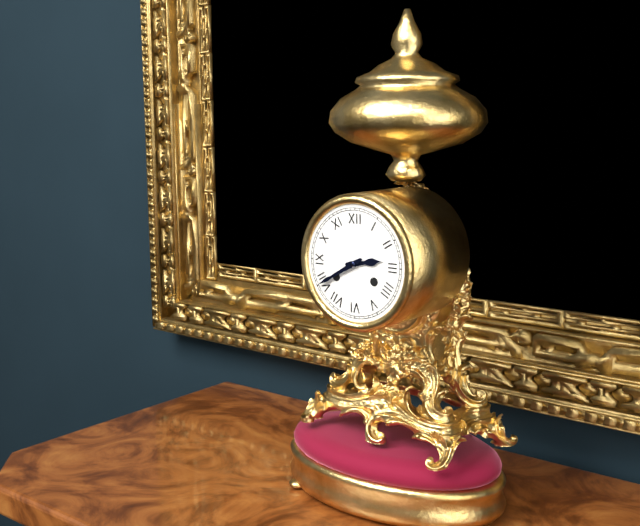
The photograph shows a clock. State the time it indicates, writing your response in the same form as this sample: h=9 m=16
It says h=2 m=40
